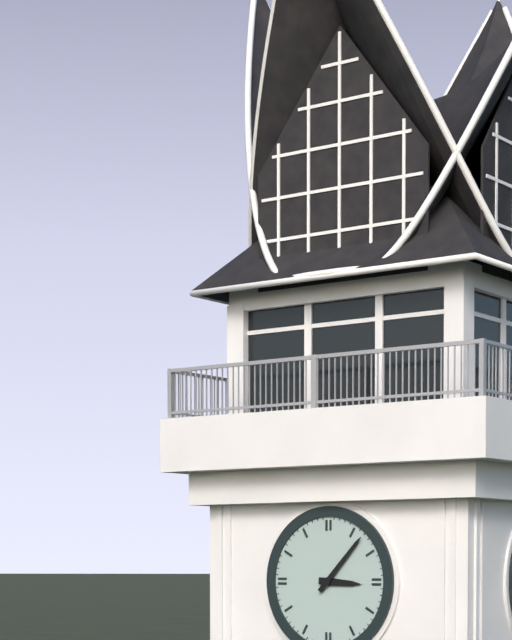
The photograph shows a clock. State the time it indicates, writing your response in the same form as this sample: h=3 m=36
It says h=3 m=7
